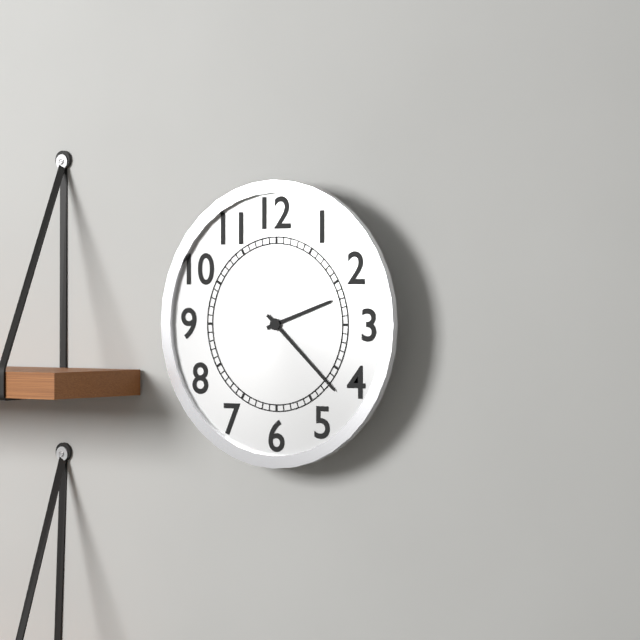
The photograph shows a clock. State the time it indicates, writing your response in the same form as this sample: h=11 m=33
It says h=2 m=22
